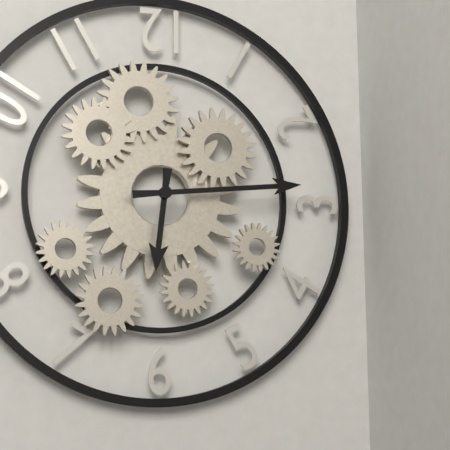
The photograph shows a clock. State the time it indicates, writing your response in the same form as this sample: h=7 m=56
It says h=6 m=14
